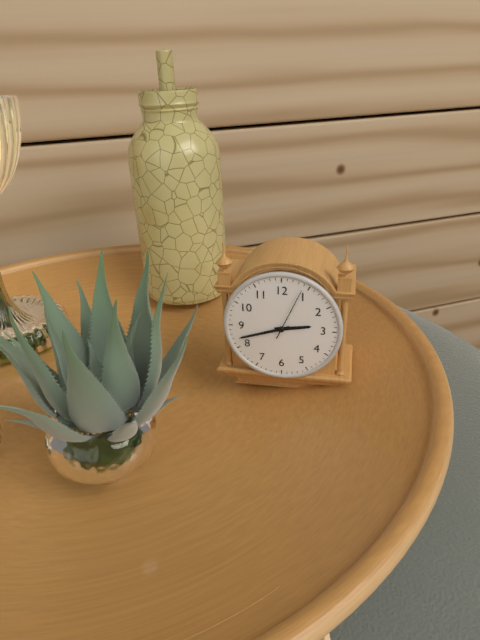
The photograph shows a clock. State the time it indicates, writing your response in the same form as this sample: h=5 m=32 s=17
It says h=2 m=42 s=4
